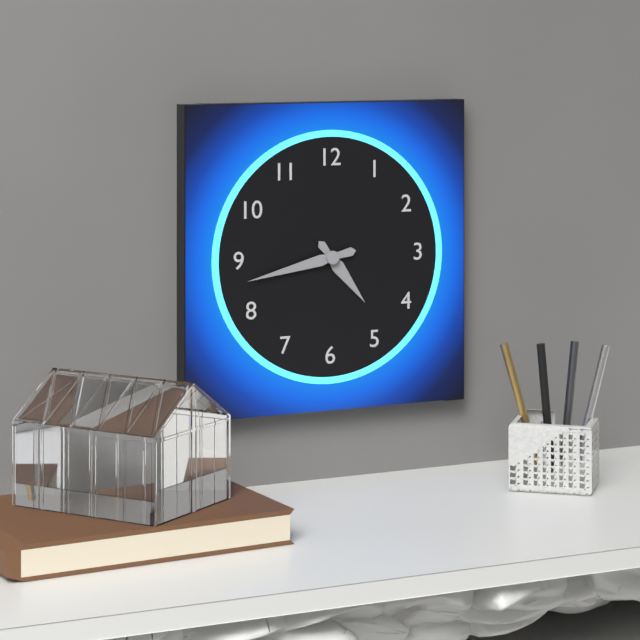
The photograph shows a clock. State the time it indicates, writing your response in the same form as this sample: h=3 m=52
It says h=4 m=43
